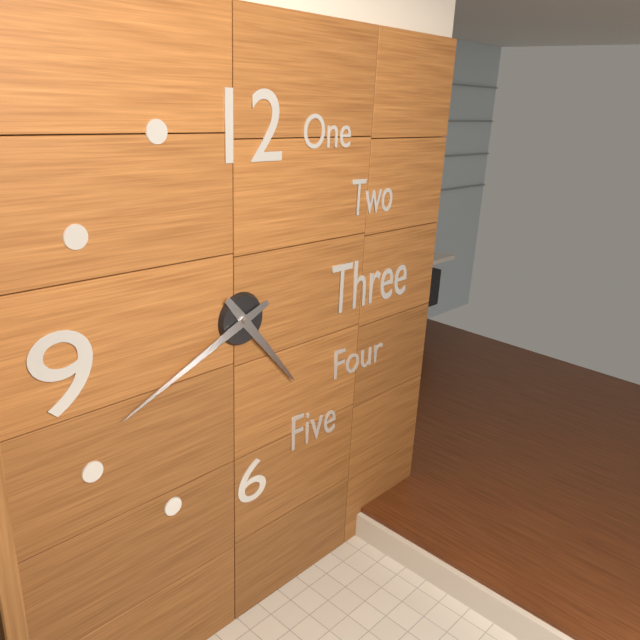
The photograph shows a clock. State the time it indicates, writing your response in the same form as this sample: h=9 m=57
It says h=4 m=41
